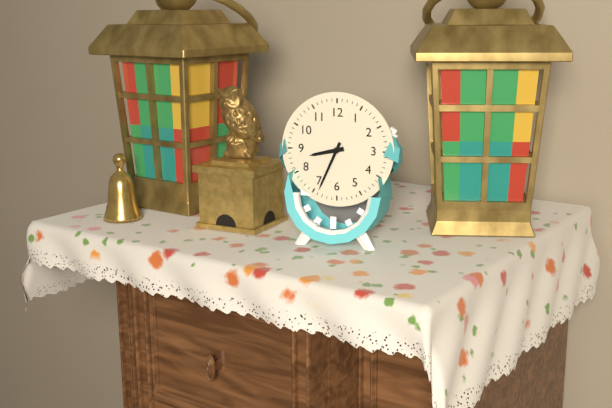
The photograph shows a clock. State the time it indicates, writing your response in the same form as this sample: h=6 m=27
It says h=8 m=34
